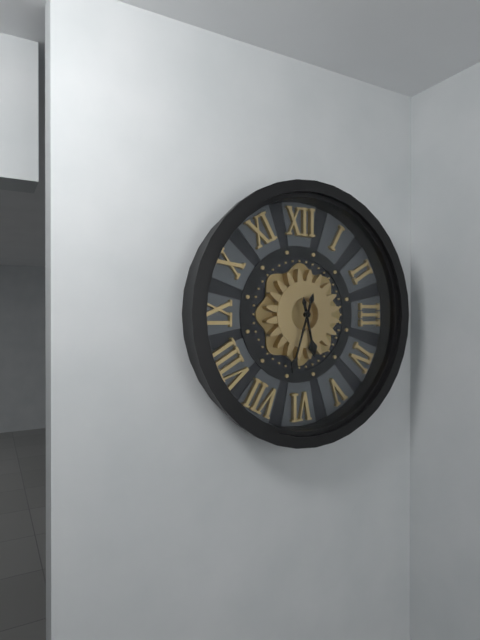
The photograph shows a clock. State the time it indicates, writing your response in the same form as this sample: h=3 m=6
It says h=5 m=33
